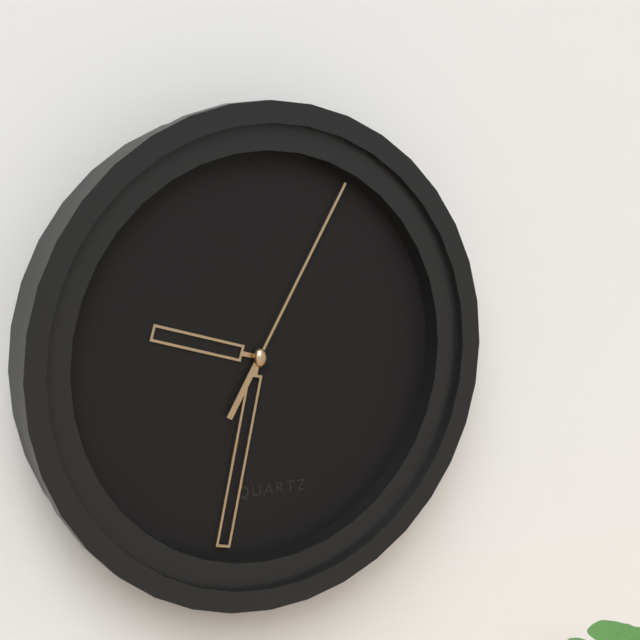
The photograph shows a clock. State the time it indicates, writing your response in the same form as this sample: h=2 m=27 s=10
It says h=9 m=32 s=5
